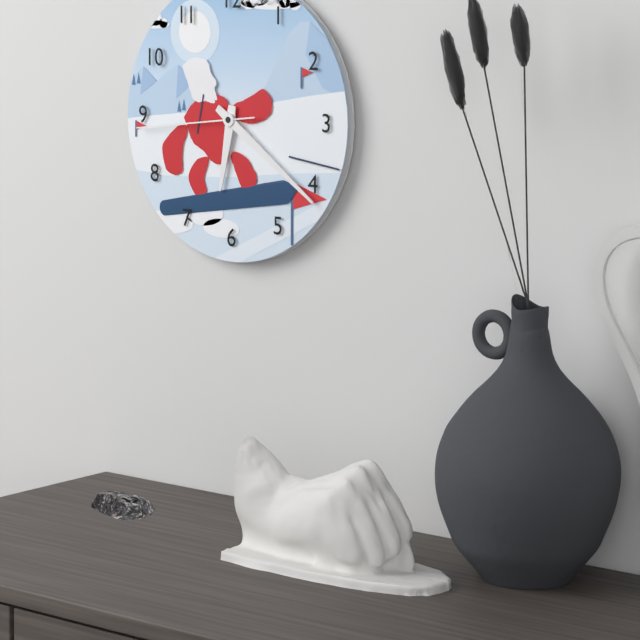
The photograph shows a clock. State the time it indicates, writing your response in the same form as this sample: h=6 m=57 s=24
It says h=6 m=21 s=44
